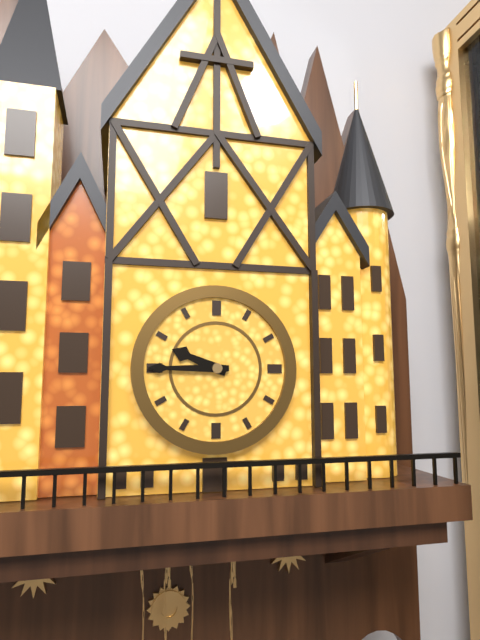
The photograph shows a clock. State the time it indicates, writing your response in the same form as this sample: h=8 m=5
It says h=9 m=45
